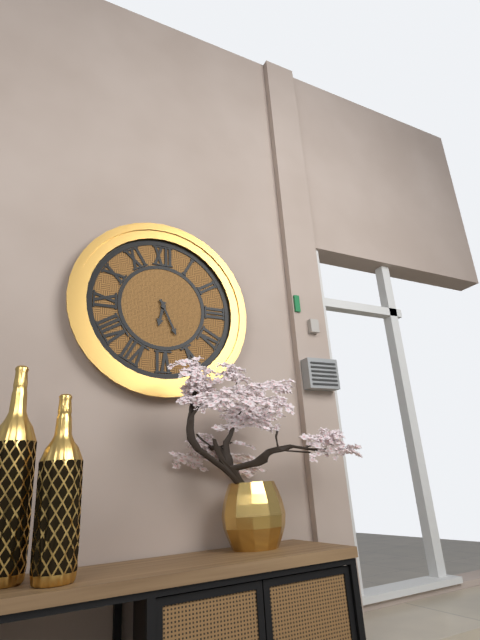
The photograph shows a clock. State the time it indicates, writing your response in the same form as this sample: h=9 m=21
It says h=6 m=26
